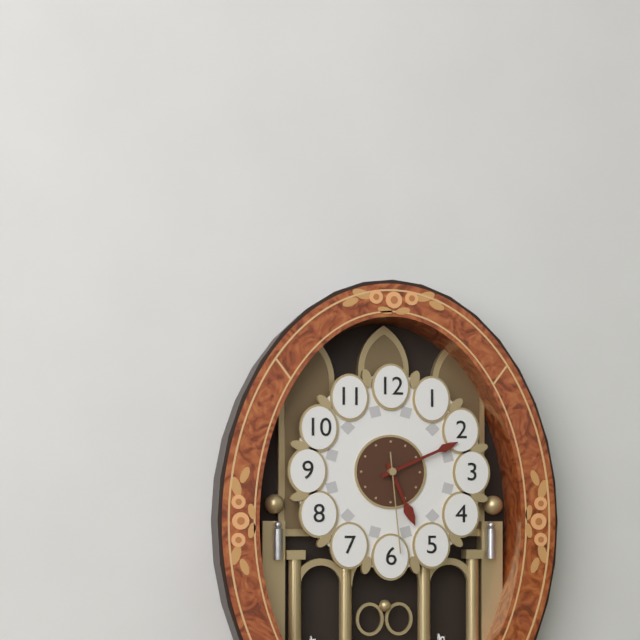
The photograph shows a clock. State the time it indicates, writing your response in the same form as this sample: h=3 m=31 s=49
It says h=5 m=11 s=29
